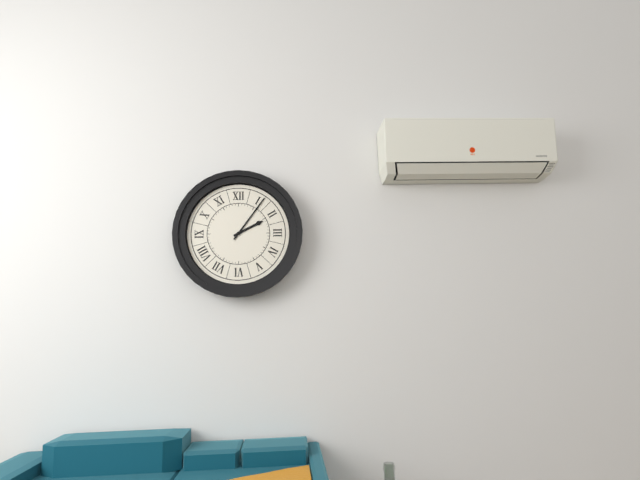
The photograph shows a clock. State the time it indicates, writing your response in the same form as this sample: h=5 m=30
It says h=2 m=6
